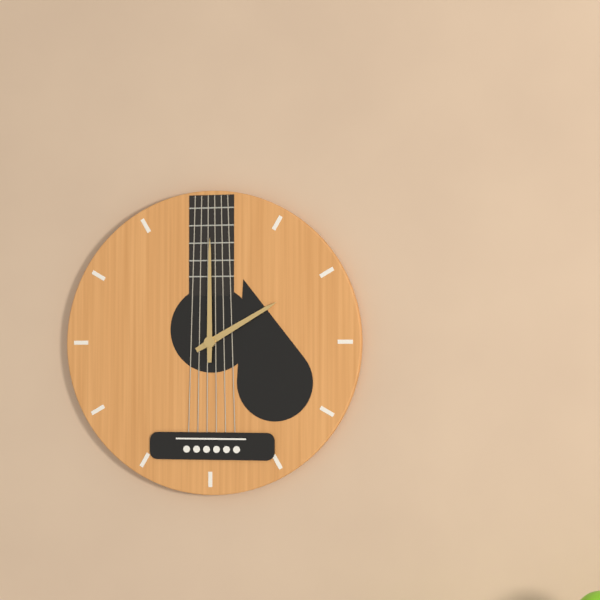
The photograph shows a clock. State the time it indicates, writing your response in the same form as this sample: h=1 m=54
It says h=2 m=0
